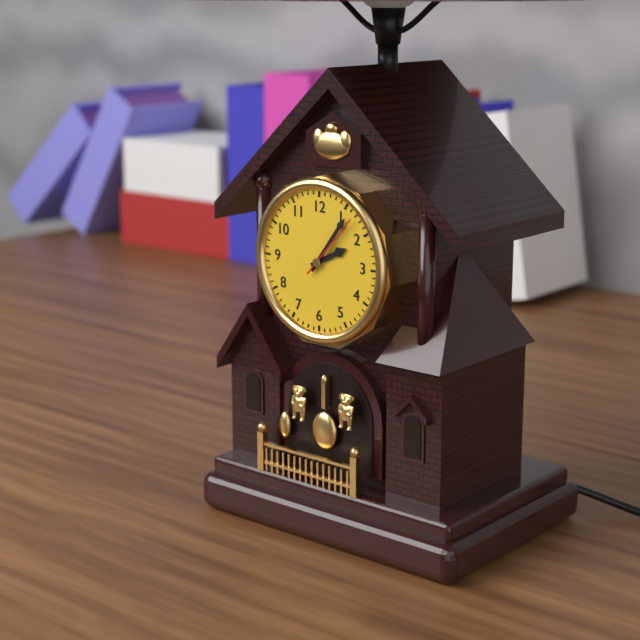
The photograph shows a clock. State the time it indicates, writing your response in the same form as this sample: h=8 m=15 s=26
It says h=2 m=6 s=7
